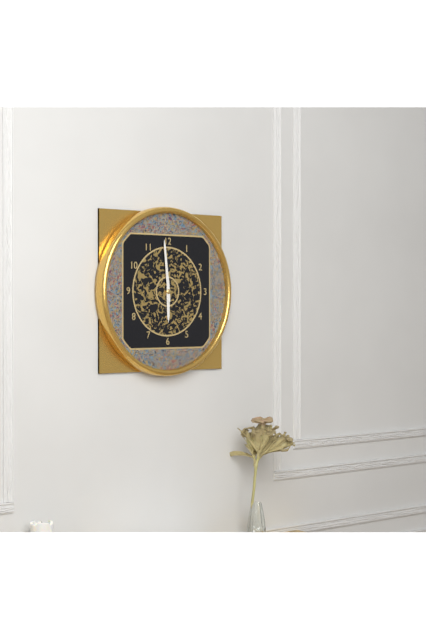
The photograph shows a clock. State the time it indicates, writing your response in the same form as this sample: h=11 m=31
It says h=5 m=59
